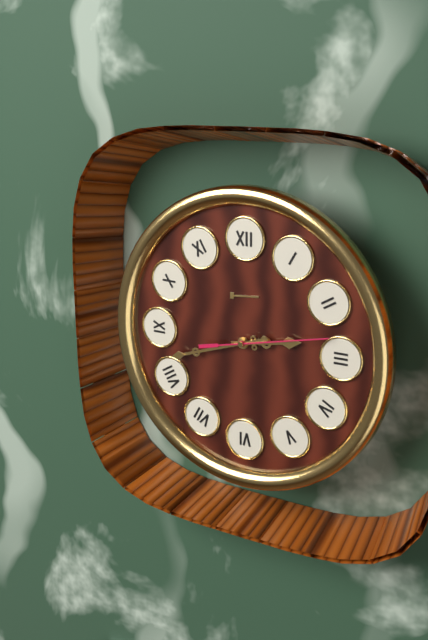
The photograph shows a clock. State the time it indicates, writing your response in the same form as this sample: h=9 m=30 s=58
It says h=2 m=42 s=13
